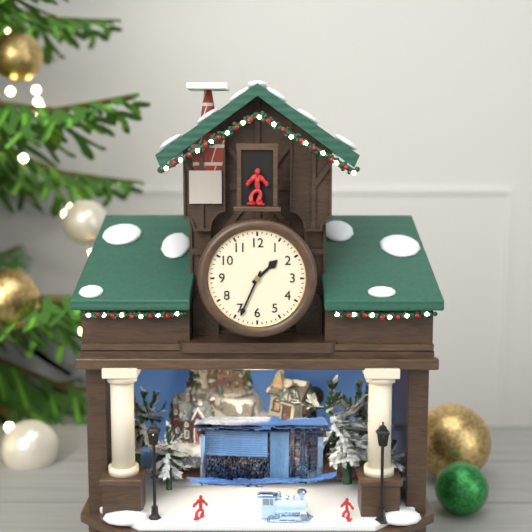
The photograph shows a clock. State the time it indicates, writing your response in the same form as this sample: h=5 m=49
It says h=1 m=34
